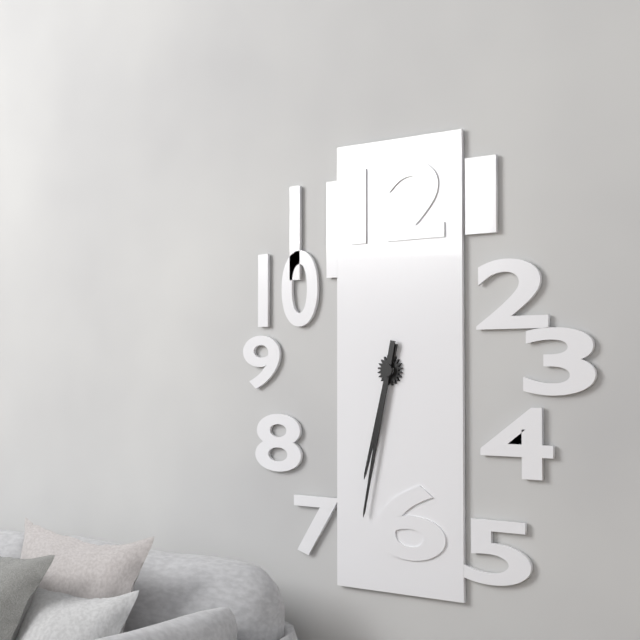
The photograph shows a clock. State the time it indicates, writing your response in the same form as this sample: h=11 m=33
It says h=6 m=32
